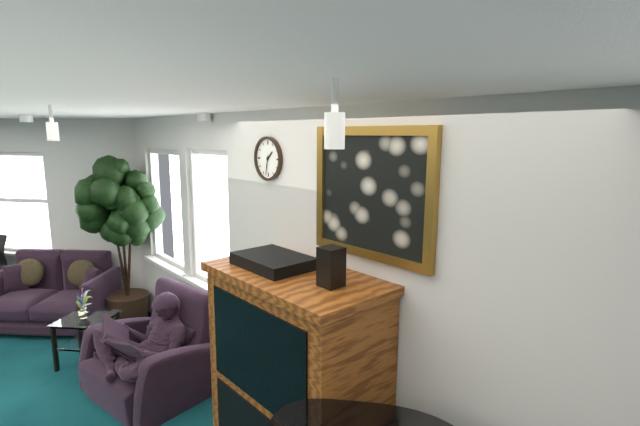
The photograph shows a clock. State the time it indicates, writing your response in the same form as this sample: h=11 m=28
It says h=1 m=32
